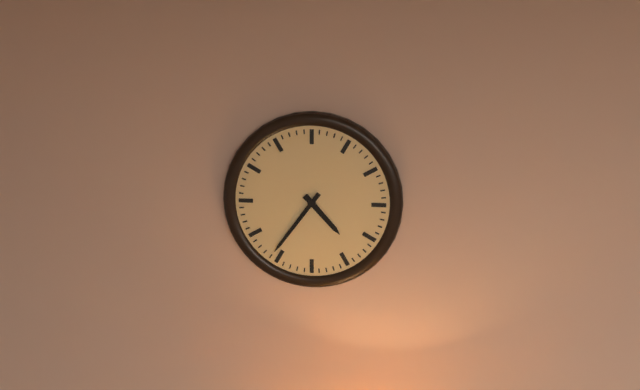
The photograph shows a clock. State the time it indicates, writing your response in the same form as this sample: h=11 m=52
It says h=4 m=36
